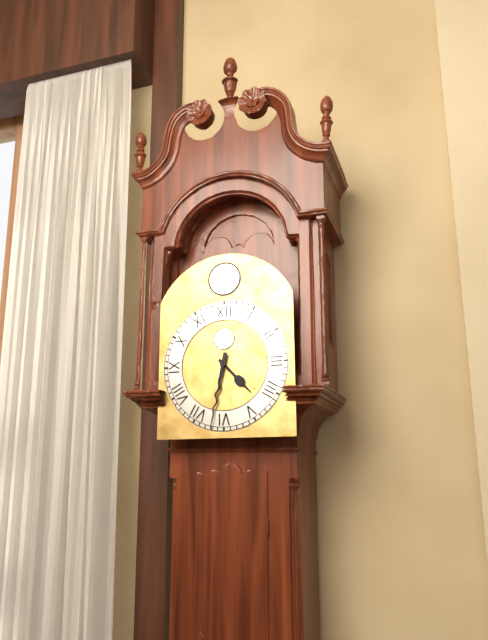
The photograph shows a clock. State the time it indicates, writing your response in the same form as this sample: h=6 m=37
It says h=4 m=32
